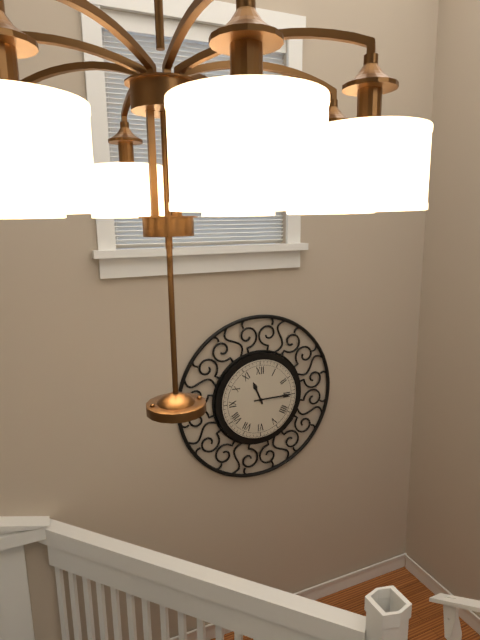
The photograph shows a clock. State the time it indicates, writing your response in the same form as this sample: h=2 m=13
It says h=11 m=15
